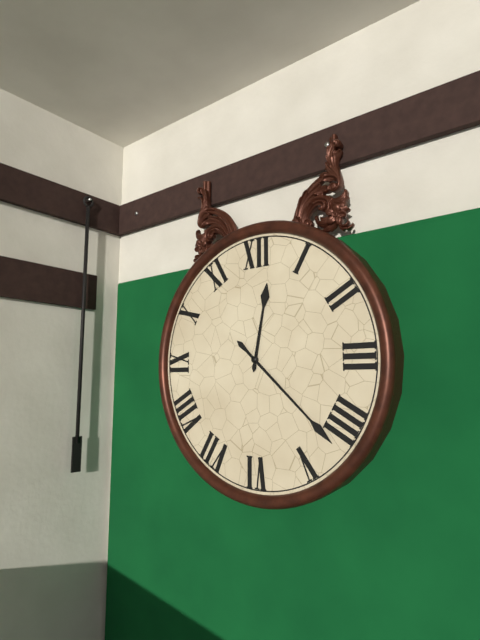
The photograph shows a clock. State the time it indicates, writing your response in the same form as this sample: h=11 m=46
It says h=12 m=22
